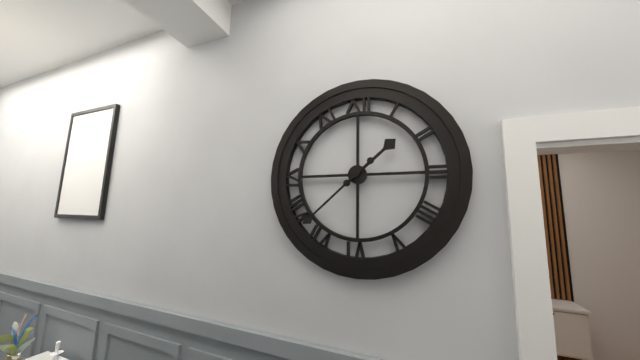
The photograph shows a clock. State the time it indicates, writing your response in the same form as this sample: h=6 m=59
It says h=1 m=38
